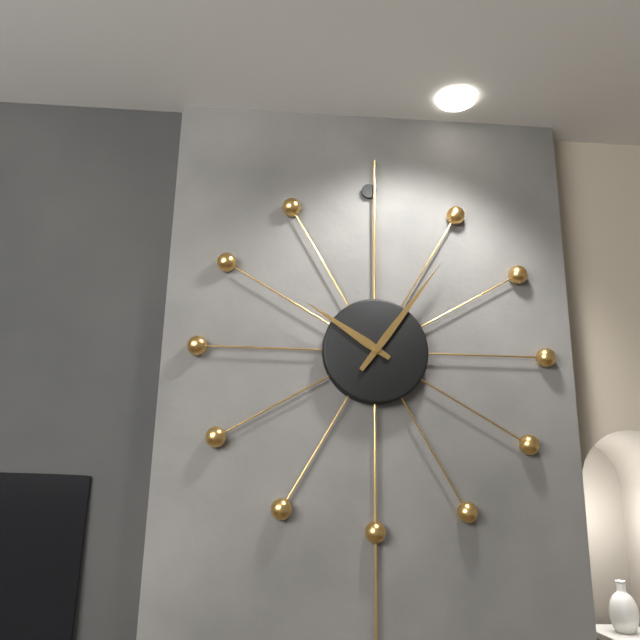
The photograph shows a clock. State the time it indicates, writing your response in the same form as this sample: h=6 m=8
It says h=10 m=6
